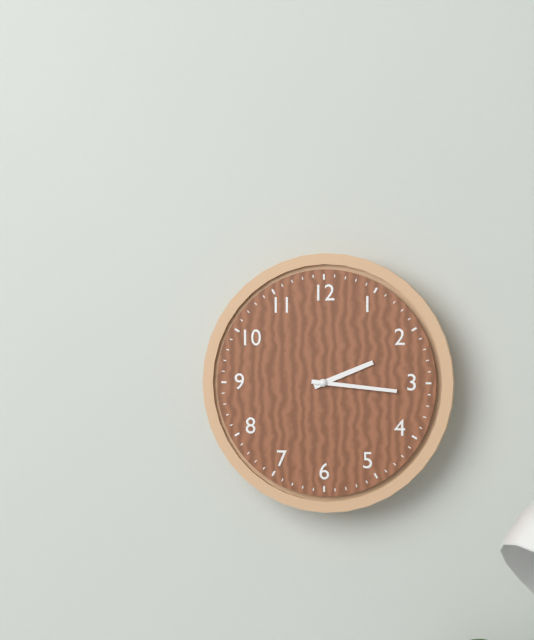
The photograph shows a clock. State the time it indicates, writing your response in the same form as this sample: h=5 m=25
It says h=2 m=16
